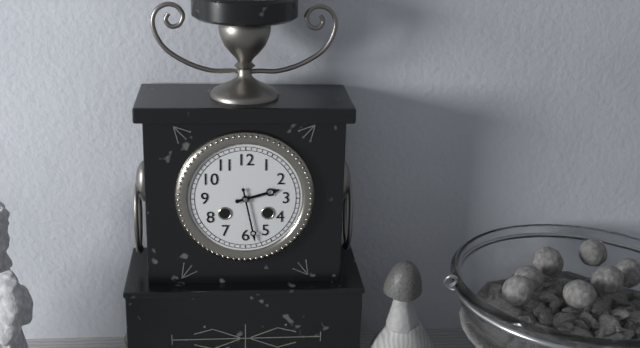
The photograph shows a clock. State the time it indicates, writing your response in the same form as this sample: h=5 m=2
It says h=2 m=28
